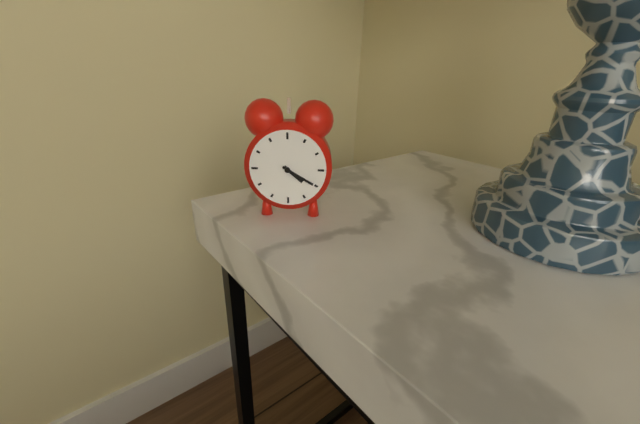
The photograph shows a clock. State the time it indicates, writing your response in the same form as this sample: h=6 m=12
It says h=4 m=20
